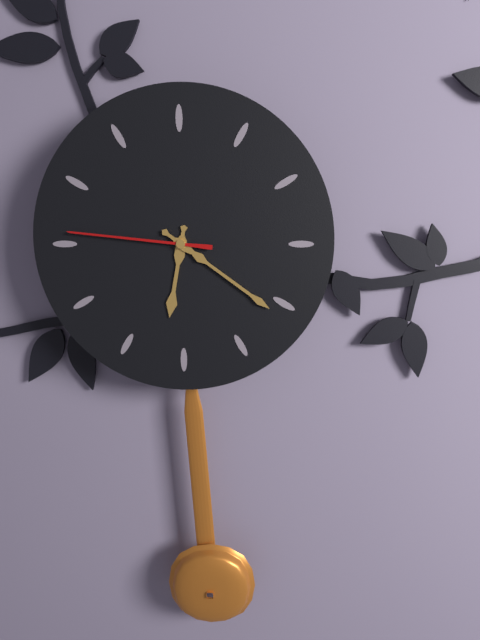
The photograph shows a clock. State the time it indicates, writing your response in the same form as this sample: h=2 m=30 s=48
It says h=6 m=21 s=46
